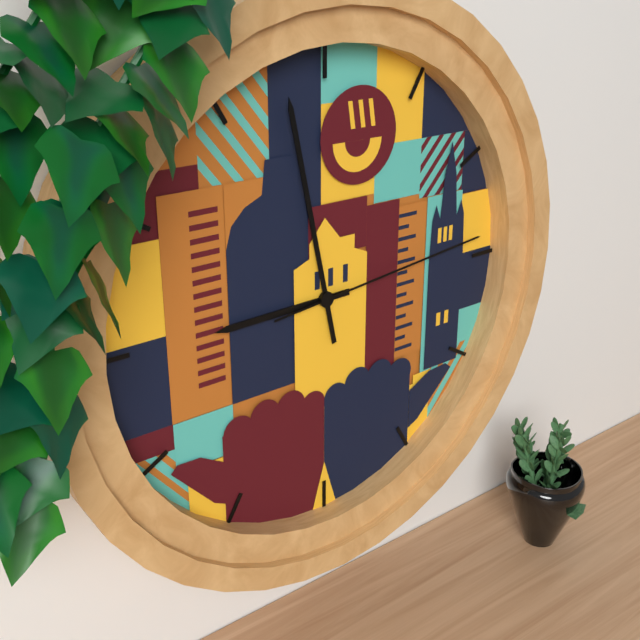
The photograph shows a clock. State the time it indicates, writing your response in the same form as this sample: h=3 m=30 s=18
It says h=8 m=58 s=14
